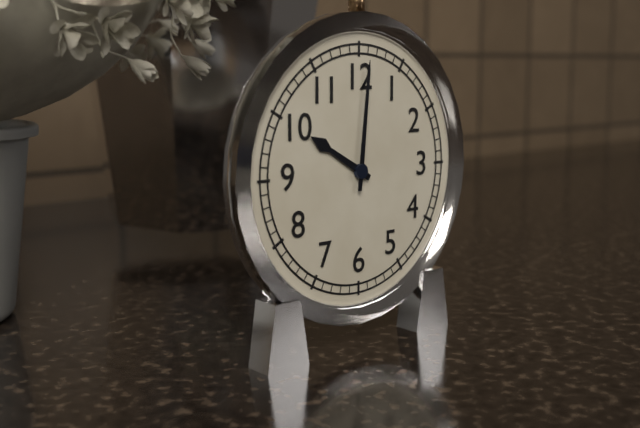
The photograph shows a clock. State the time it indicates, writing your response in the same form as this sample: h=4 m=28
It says h=10 m=1
